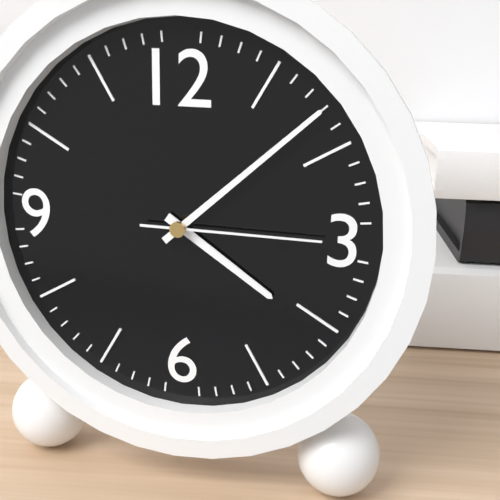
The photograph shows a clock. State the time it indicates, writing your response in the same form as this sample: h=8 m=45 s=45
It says h=4 m=8 s=15
